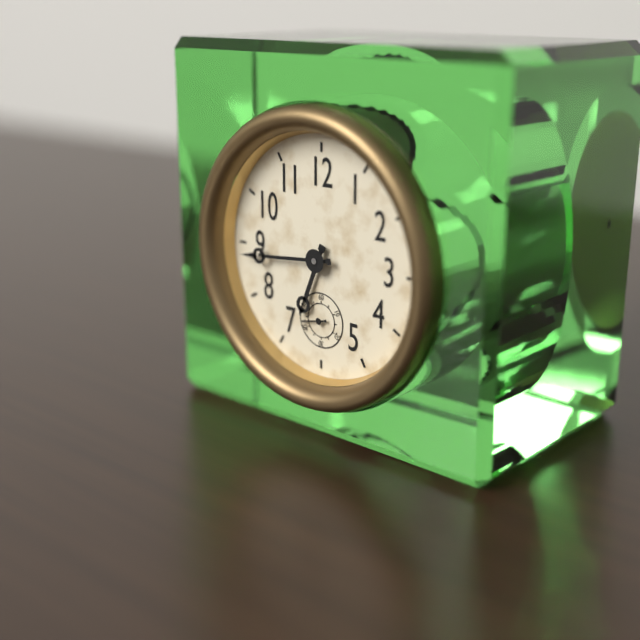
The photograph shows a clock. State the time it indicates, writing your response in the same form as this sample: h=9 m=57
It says h=6 m=44
